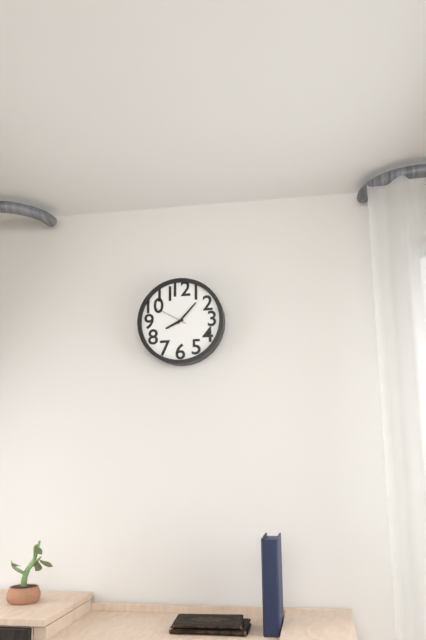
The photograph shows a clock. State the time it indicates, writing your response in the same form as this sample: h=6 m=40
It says h=8 m=7
